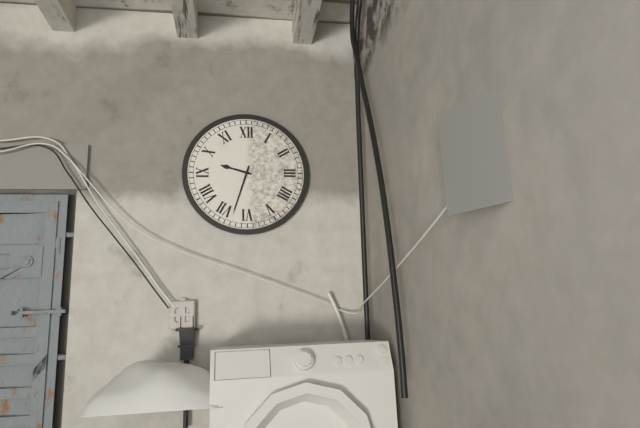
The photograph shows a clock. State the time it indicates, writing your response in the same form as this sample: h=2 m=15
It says h=9 m=33
